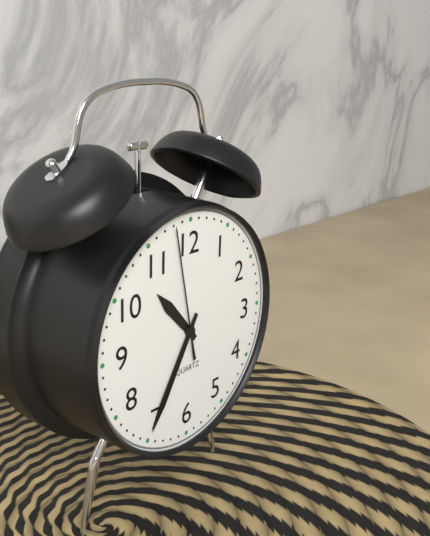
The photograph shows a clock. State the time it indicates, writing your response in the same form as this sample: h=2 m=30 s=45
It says h=10 m=35 s=58
